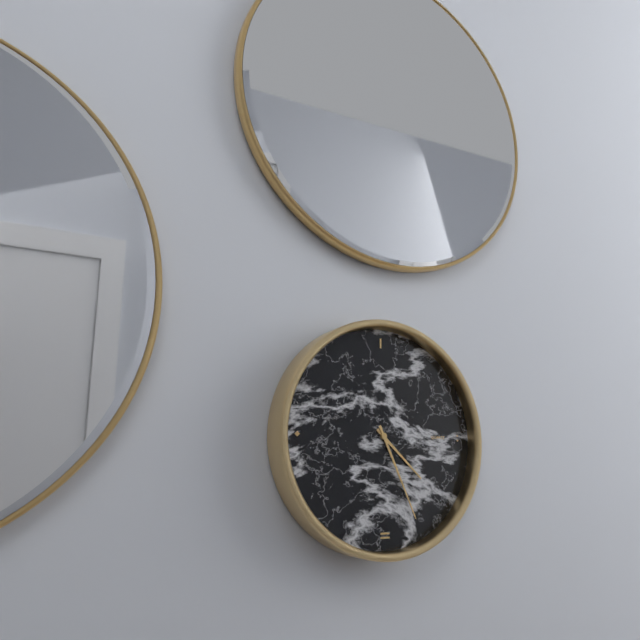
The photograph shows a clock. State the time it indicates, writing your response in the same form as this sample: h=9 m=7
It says h=4 m=26
